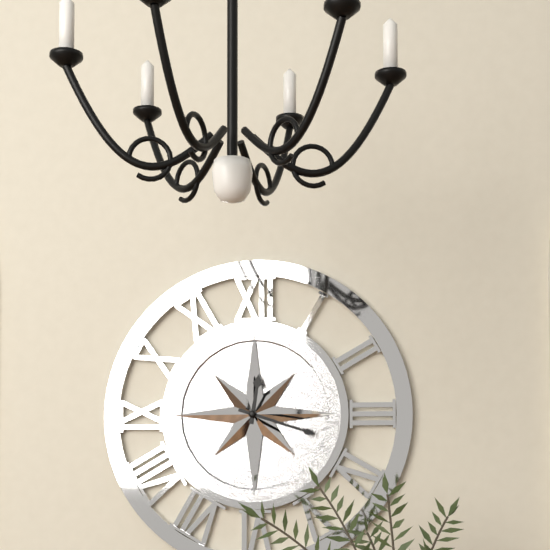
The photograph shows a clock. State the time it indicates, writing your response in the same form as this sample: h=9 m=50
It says h=12 m=18
